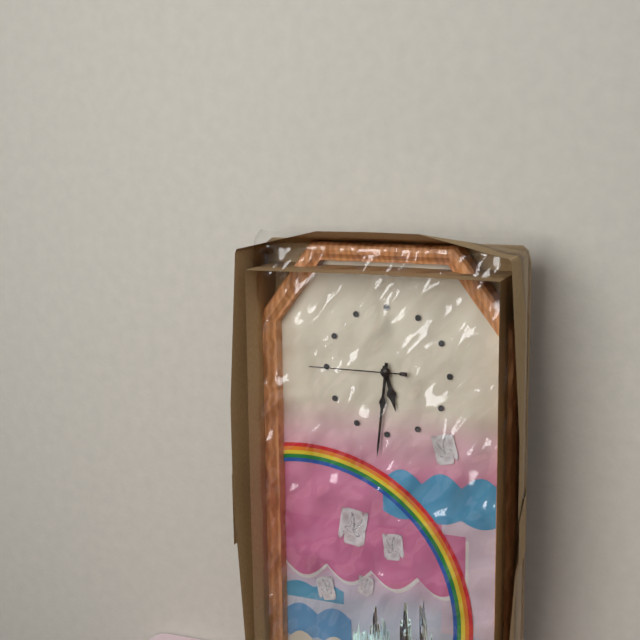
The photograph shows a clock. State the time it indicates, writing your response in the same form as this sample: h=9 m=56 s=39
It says h=5 m=31 s=45
